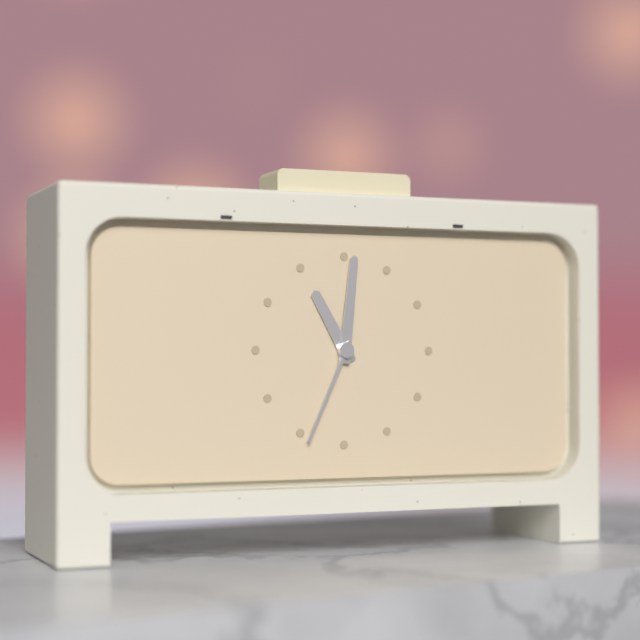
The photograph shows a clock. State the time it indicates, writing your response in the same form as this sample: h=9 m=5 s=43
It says h=11 m=1 s=34
